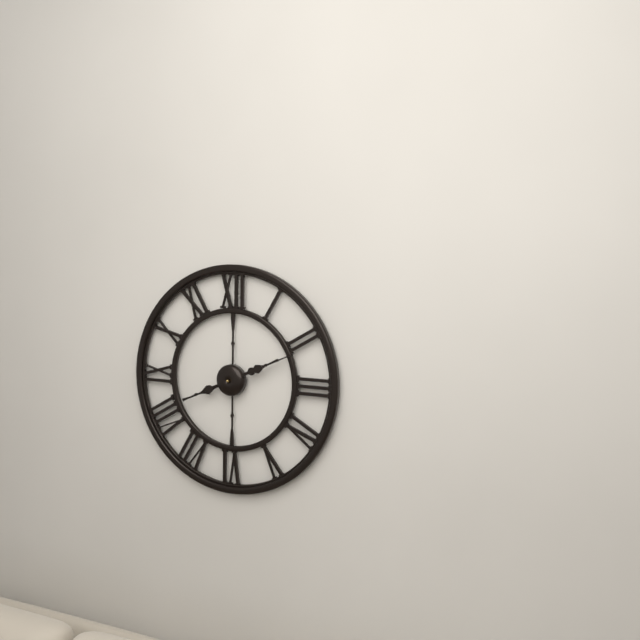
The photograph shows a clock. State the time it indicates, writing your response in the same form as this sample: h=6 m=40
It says h=8 m=11
